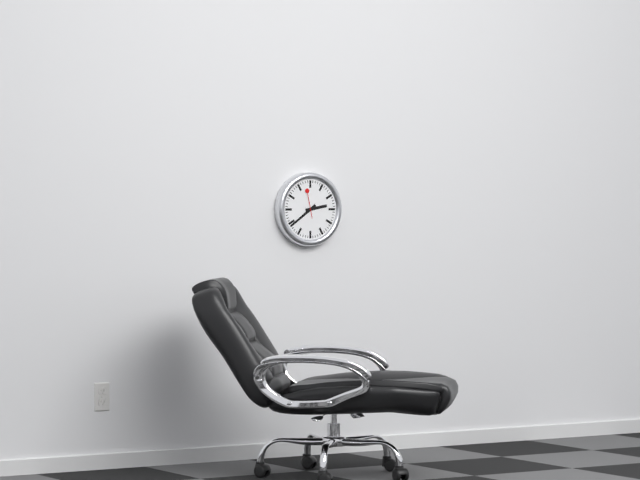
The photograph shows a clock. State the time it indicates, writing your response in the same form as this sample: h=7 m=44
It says h=2 m=39
